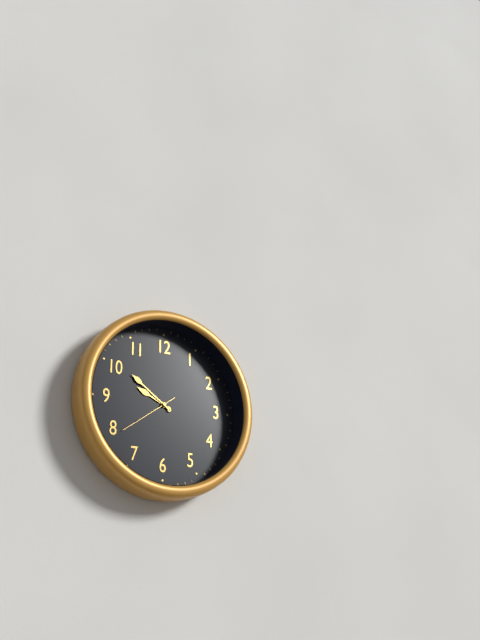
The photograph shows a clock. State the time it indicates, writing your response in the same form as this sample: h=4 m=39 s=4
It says h=9 m=51 s=39
